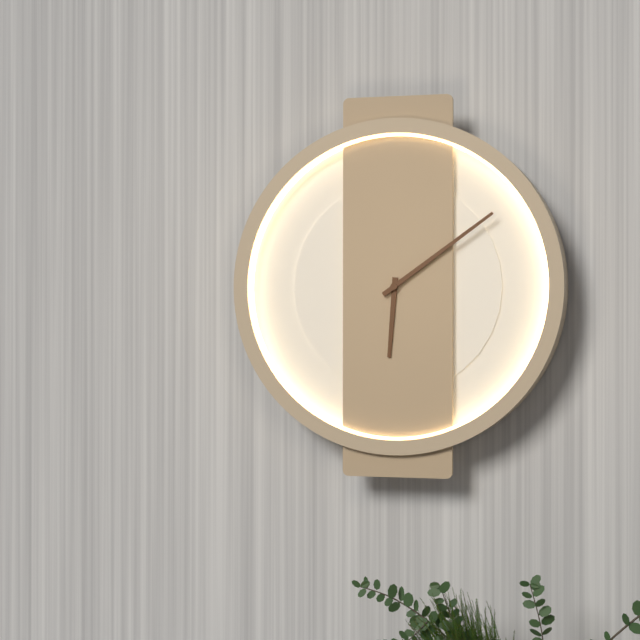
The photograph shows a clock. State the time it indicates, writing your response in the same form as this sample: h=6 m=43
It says h=6 m=9
